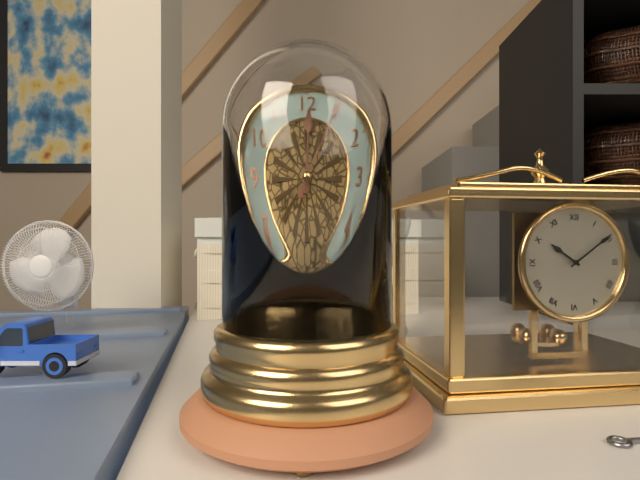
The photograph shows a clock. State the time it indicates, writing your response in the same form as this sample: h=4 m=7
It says h=12 m=5
